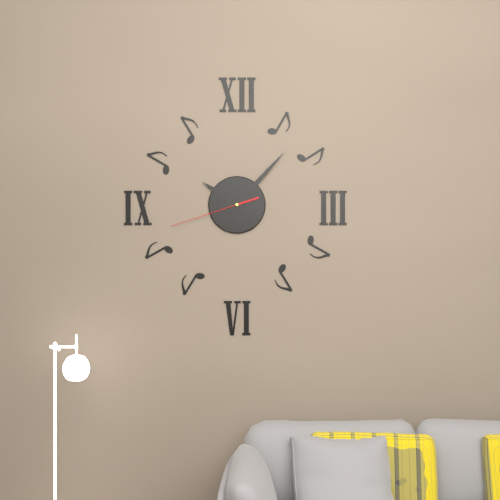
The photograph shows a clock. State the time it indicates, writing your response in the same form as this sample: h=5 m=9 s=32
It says h=10 m=7 s=42
